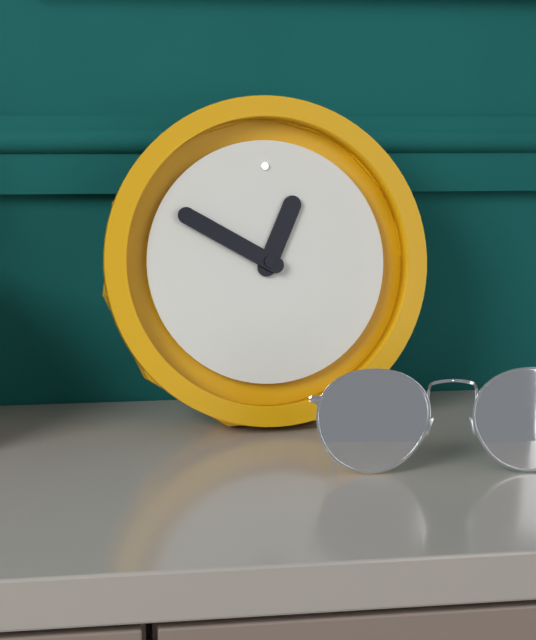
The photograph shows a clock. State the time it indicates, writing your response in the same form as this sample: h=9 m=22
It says h=12 m=50
